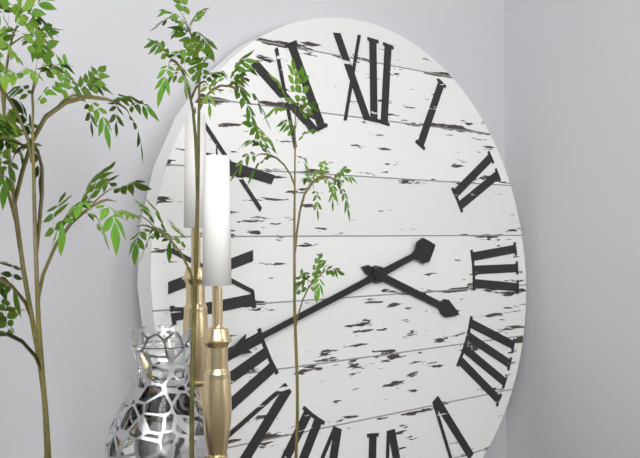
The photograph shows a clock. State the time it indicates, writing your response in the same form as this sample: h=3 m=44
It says h=3 m=42
